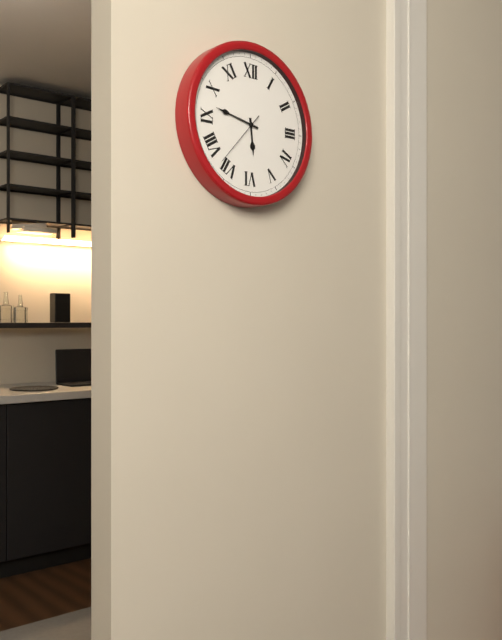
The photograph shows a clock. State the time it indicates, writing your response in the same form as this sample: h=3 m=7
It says h=5 m=47
